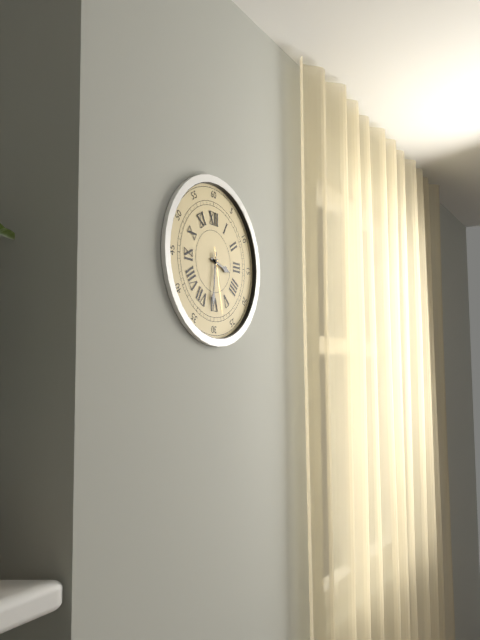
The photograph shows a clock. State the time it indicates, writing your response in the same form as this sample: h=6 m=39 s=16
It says h=3 m=31 s=28
